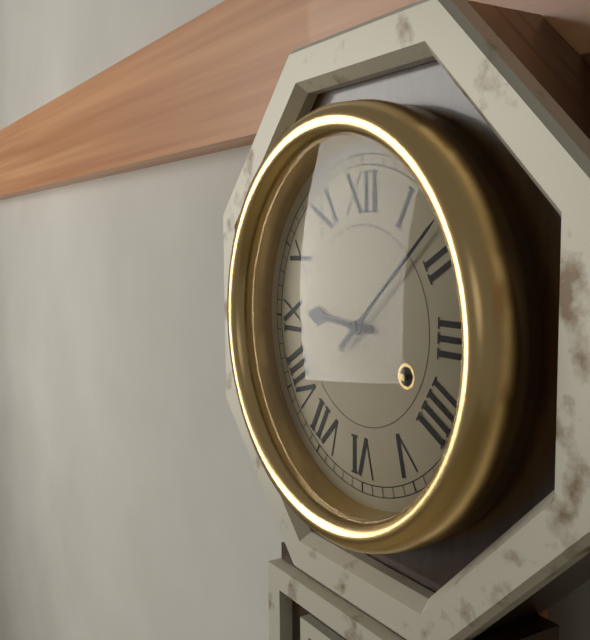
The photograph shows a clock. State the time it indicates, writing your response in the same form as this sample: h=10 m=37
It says h=9 m=8
